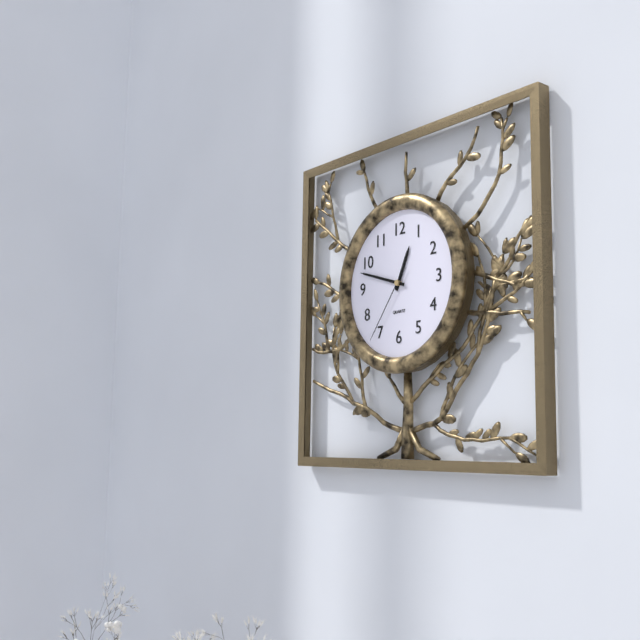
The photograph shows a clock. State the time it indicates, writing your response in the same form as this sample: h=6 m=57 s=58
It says h=12 m=48 s=36
